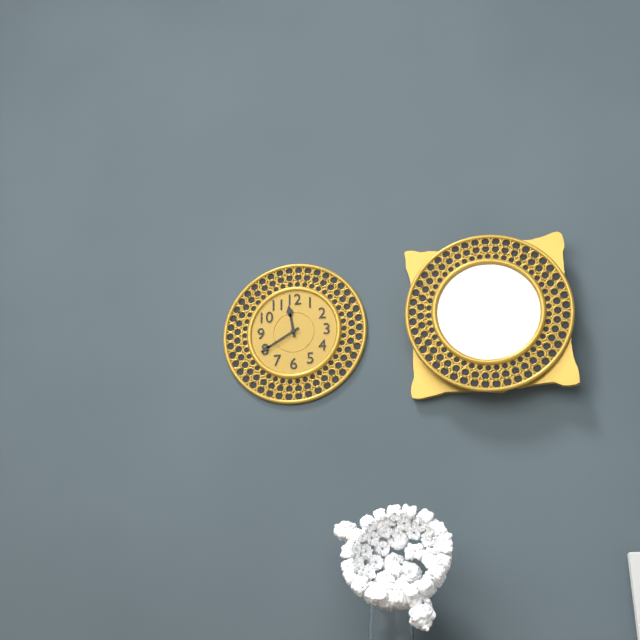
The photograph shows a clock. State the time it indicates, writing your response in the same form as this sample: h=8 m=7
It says h=11 m=40
